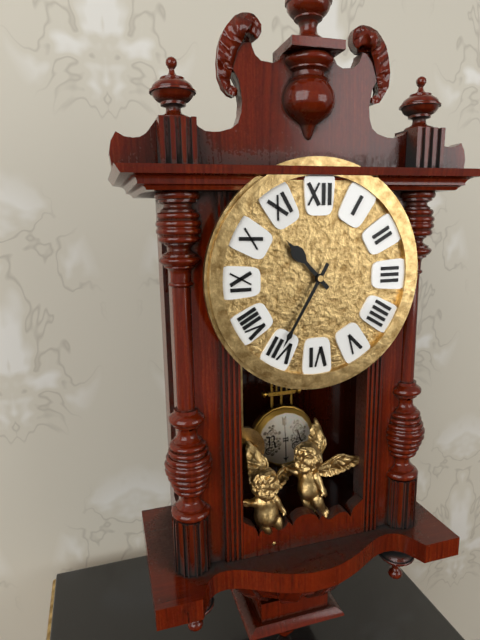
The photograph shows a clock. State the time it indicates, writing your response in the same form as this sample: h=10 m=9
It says h=10 m=35
